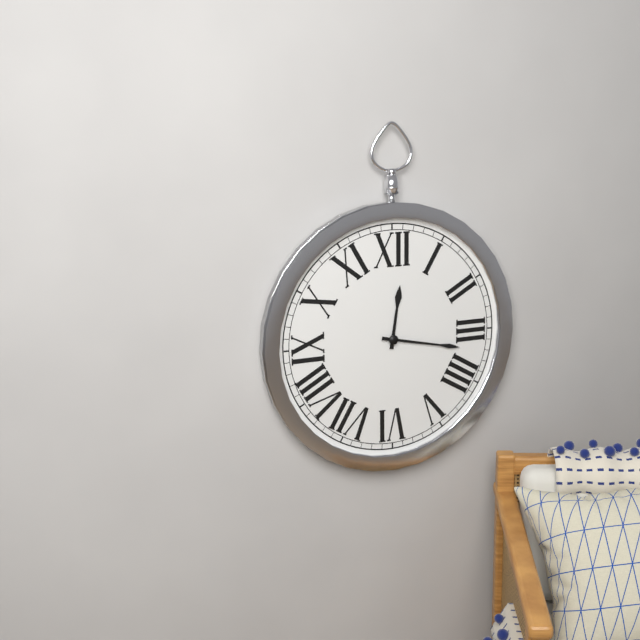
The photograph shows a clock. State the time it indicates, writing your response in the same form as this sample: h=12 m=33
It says h=12 m=17
